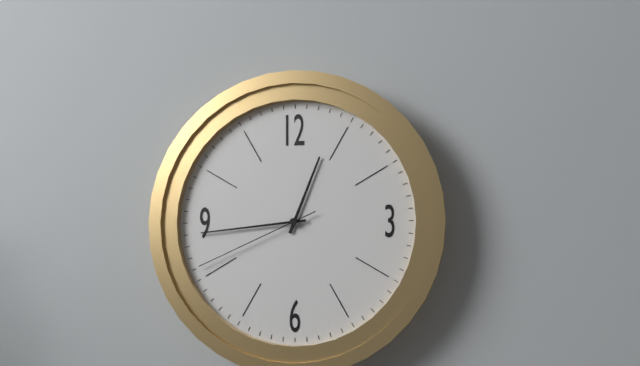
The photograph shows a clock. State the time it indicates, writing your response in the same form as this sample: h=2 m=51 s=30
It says h=12 m=44 s=41
